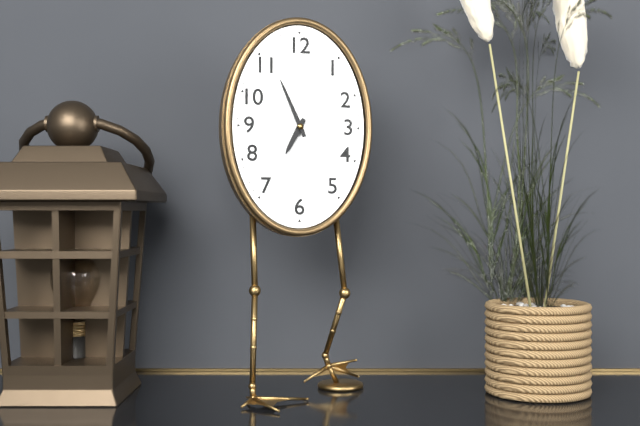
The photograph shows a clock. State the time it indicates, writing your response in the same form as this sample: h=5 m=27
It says h=6 m=56
